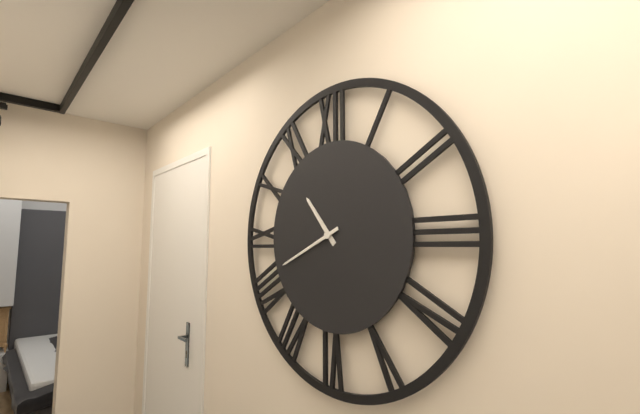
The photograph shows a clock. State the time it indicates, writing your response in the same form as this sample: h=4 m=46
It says h=10 m=41
